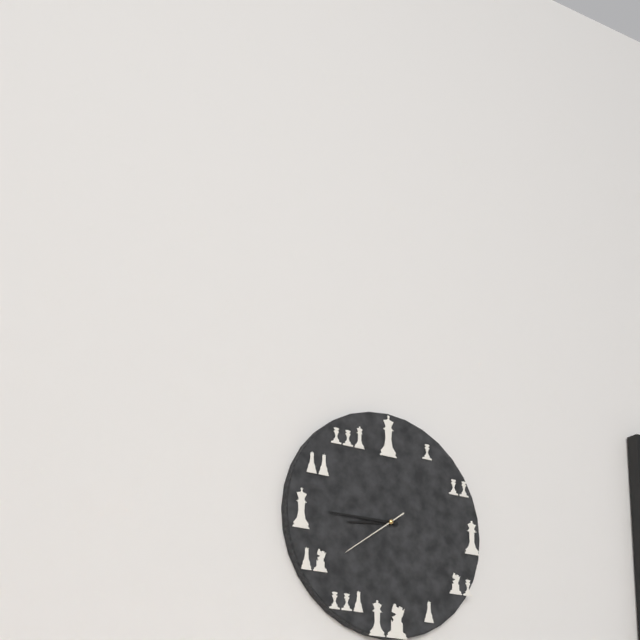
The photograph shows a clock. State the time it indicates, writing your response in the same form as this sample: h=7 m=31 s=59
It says h=8 m=45 s=39
